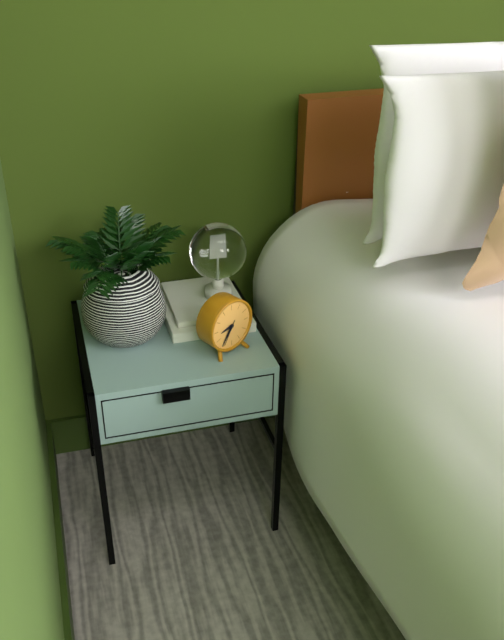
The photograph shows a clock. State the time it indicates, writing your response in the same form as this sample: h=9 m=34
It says h=8 m=36
